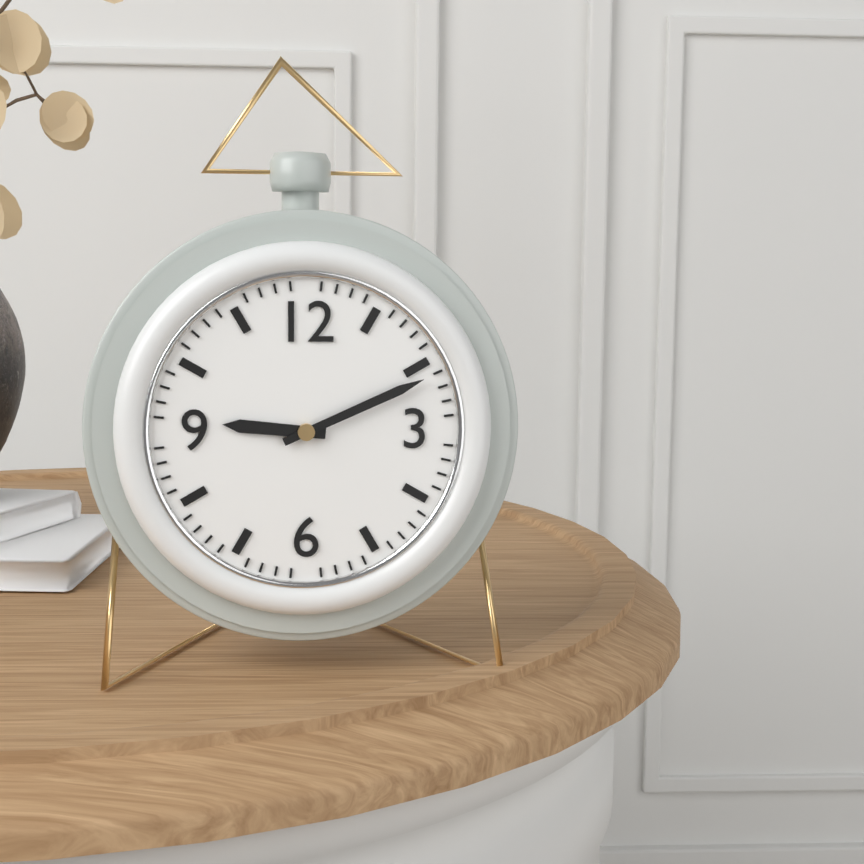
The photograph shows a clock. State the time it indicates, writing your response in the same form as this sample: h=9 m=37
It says h=9 m=11
